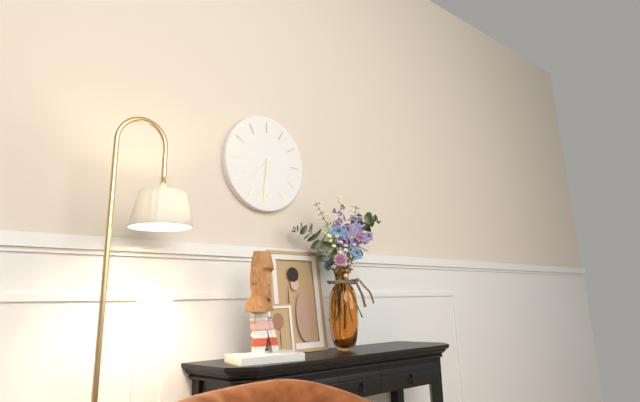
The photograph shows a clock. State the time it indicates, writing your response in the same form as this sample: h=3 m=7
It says h=7 m=31
